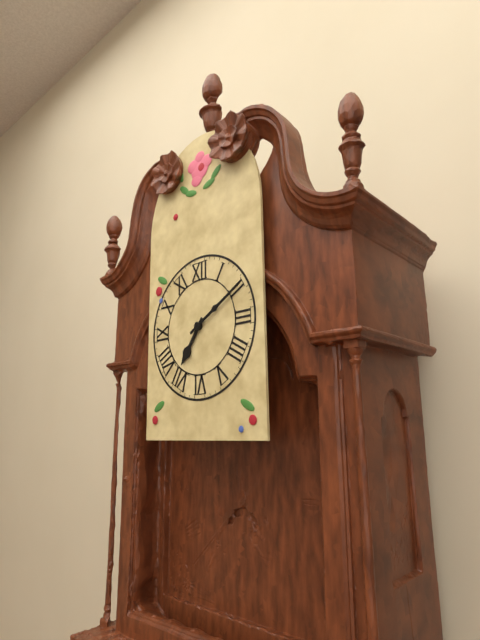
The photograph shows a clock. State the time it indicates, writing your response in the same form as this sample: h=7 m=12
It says h=7 m=10
